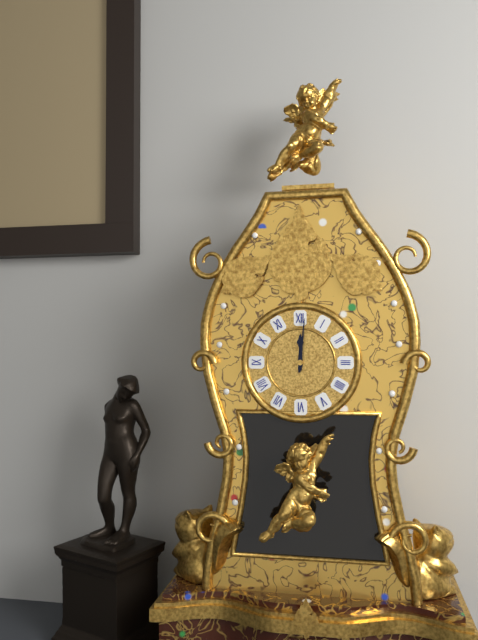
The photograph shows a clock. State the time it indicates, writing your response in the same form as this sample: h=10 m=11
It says h=12 m=1
